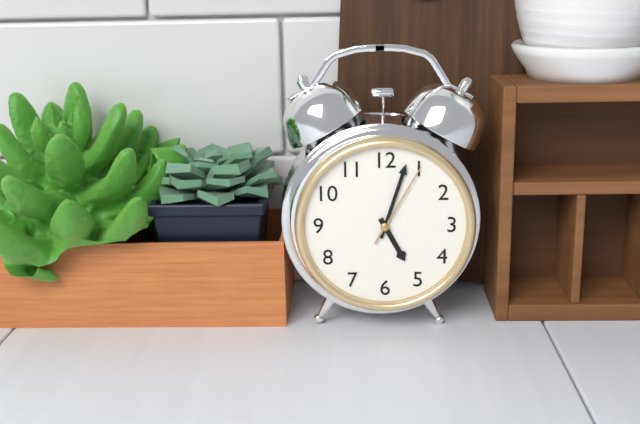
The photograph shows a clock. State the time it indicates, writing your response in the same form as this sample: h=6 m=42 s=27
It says h=5 m=3 s=5
